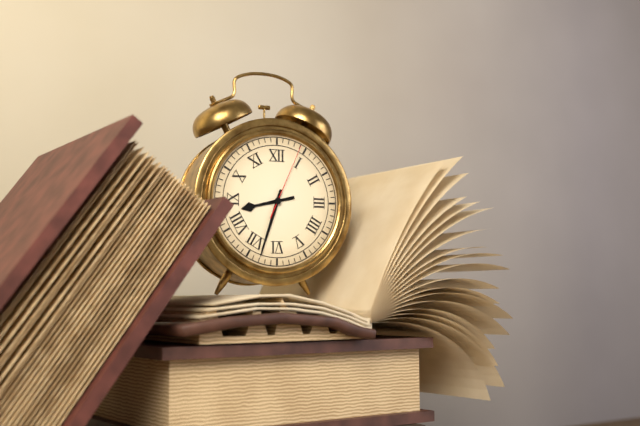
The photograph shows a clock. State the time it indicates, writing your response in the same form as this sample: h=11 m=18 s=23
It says h=8 m=33 s=4
